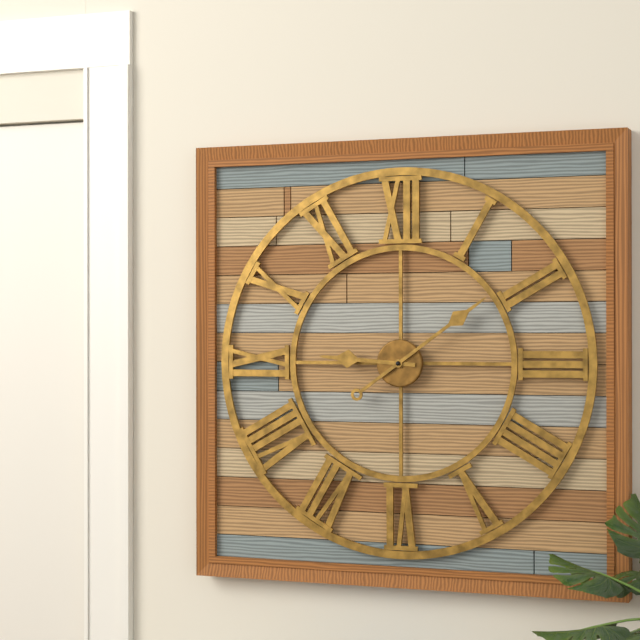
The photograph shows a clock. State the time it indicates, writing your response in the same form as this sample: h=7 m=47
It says h=9 m=9
